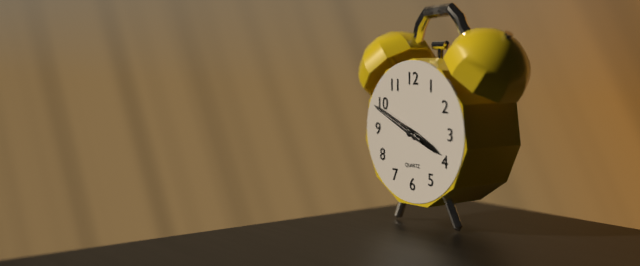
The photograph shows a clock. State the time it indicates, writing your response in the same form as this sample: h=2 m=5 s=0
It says h=3 m=49 s=49
